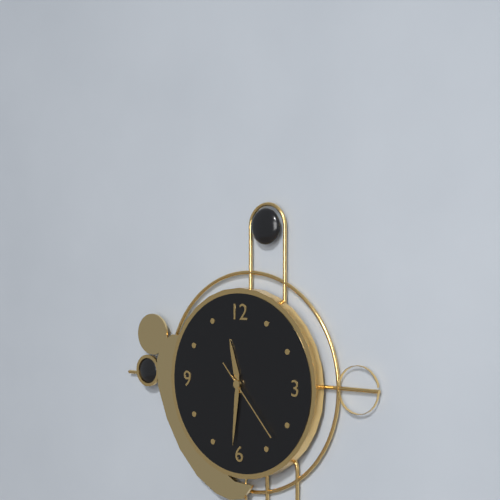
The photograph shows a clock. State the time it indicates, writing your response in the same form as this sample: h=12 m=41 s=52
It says h=11 m=31 s=23
